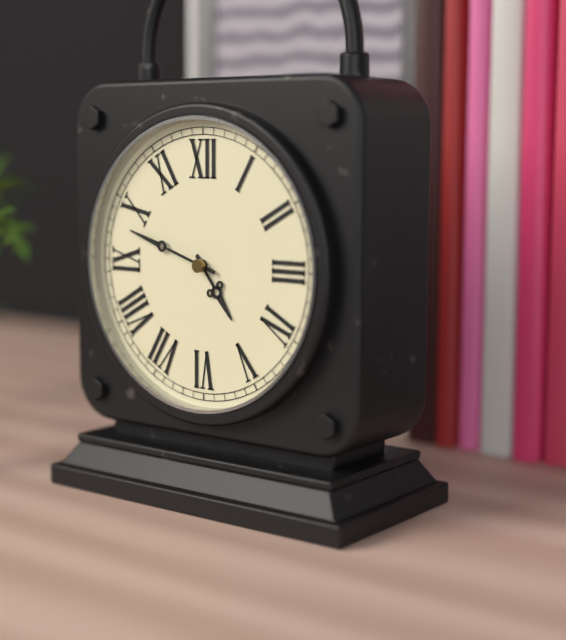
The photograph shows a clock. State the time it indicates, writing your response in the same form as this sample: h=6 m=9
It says h=4 m=48
